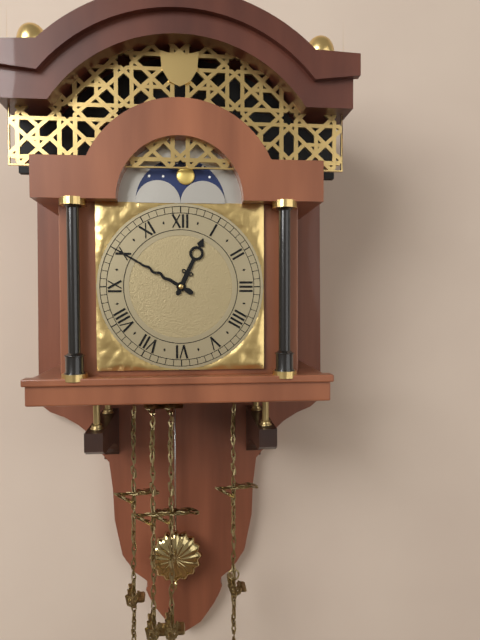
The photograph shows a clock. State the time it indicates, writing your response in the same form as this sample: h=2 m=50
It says h=12 m=50
